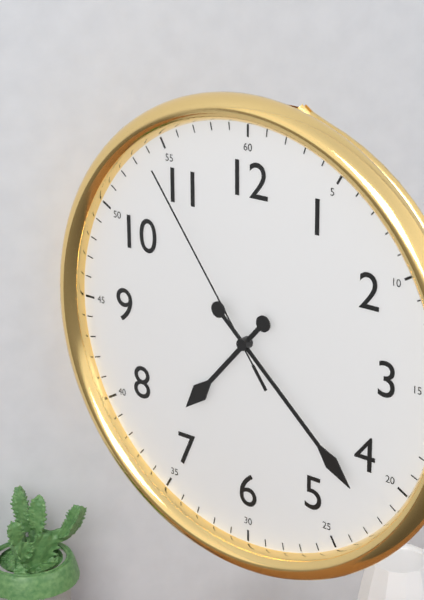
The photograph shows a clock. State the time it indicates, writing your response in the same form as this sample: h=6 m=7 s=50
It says h=7 m=22 s=54
